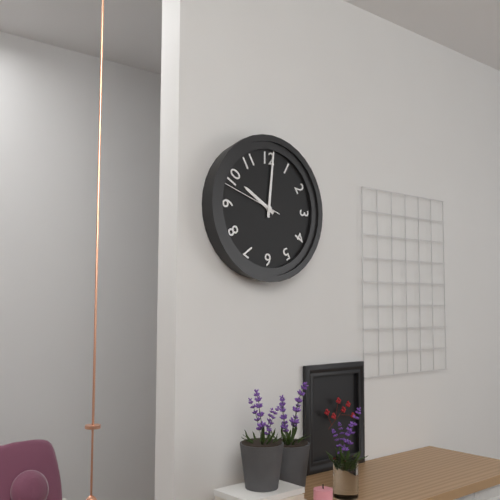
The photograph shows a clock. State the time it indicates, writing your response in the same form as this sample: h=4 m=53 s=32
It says h=10 m=1 s=48
